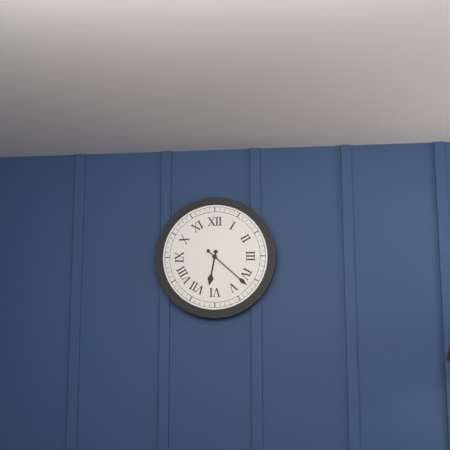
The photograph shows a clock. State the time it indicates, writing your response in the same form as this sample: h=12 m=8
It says h=6 m=22
